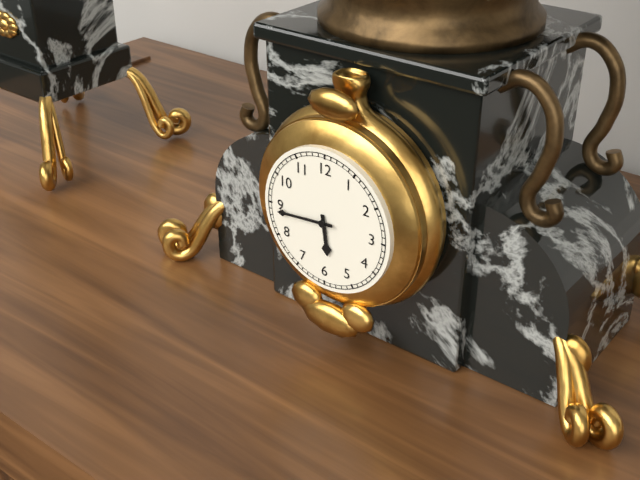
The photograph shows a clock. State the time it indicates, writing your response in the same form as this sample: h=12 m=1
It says h=5 m=44
